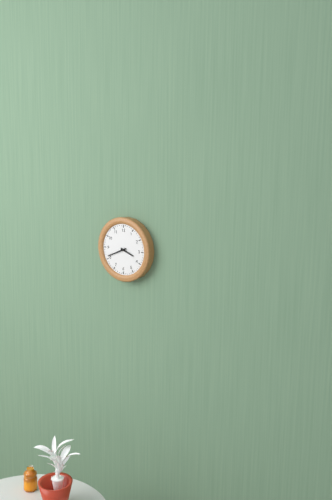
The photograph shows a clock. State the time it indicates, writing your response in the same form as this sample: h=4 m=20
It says h=3 m=41
